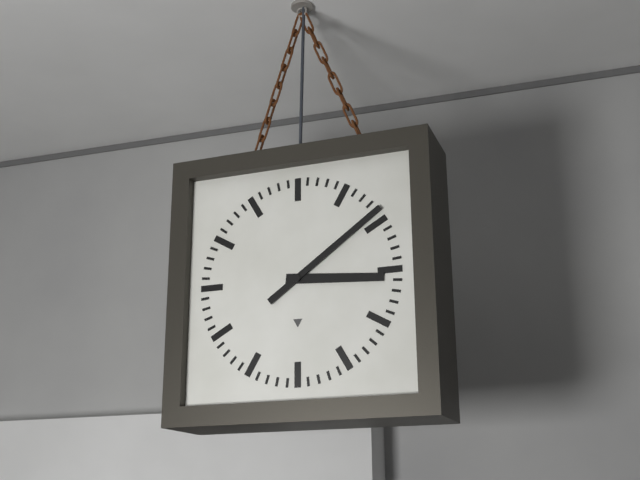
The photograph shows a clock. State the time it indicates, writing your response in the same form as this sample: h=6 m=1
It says h=3 m=9
